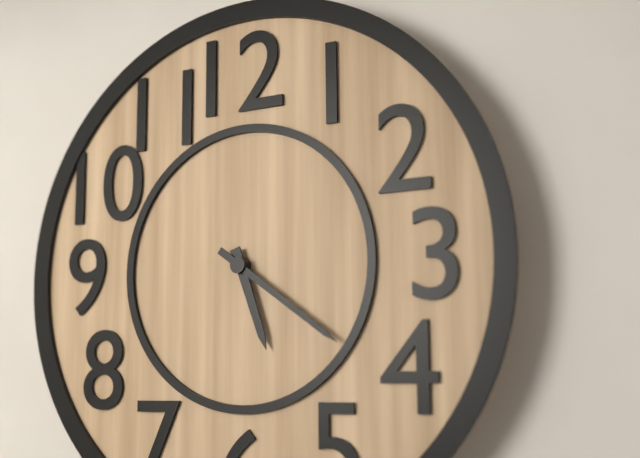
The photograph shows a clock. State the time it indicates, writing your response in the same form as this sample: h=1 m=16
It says h=5 m=21
